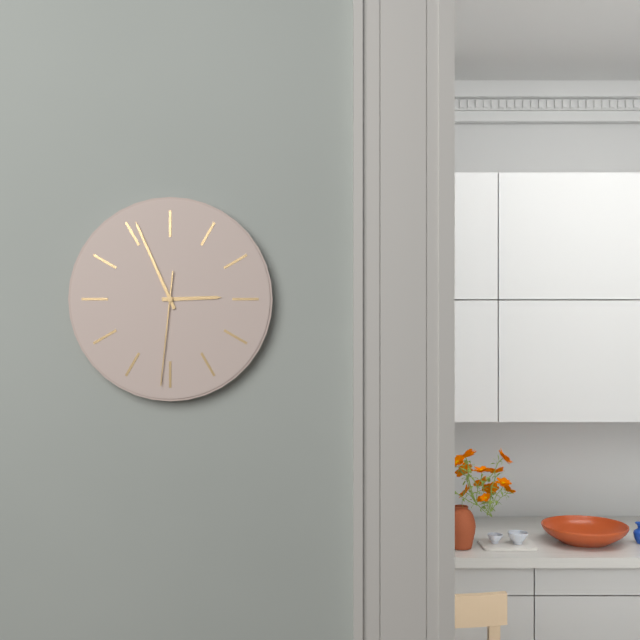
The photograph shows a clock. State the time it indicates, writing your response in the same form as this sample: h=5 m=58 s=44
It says h=2 m=56 s=31
